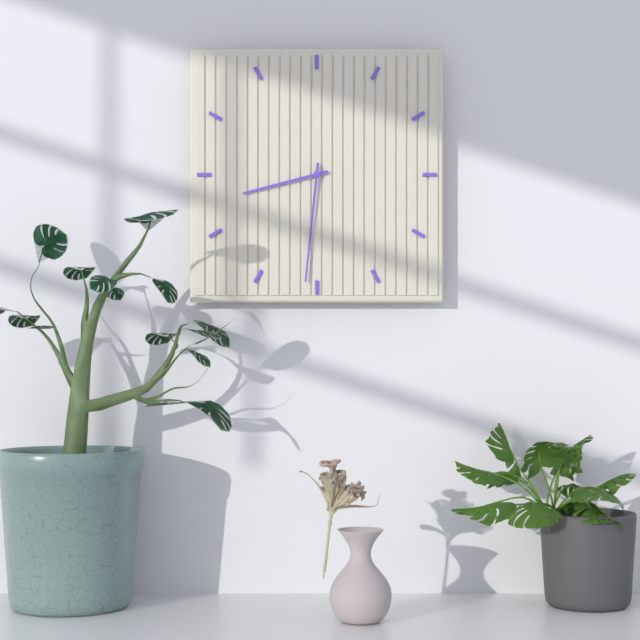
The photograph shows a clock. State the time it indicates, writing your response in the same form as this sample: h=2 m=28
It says h=8 m=31
